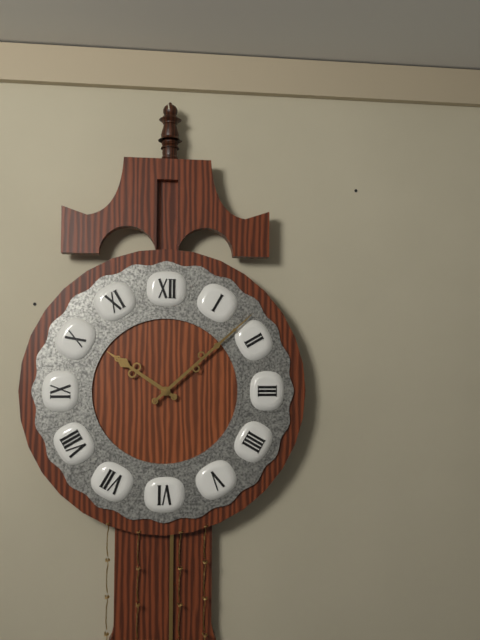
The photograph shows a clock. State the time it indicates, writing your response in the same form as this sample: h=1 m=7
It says h=10 m=8
